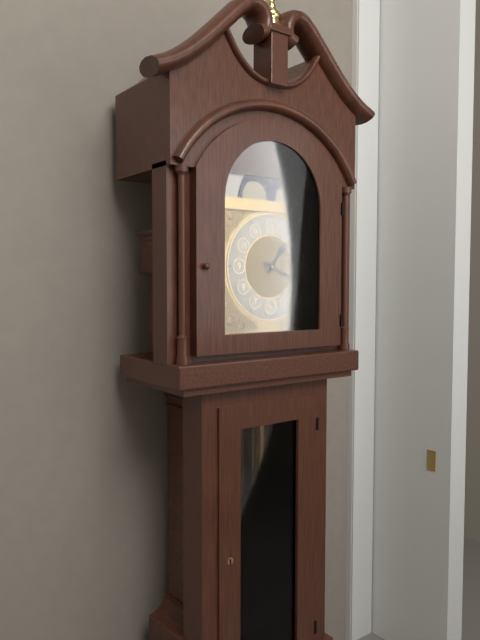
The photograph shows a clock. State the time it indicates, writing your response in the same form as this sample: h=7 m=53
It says h=1 m=19
